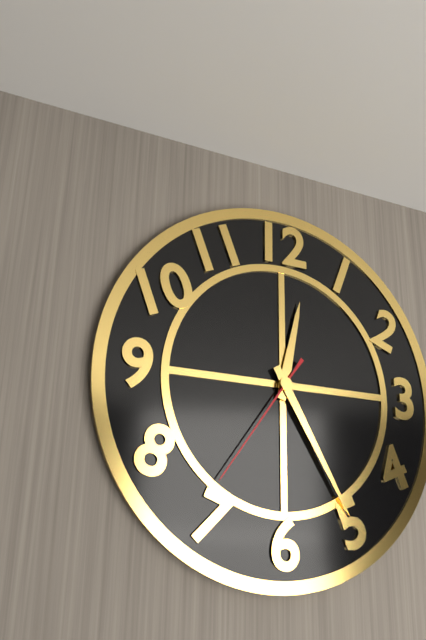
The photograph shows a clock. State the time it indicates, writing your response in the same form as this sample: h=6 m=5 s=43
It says h=12 m=25 s=36
